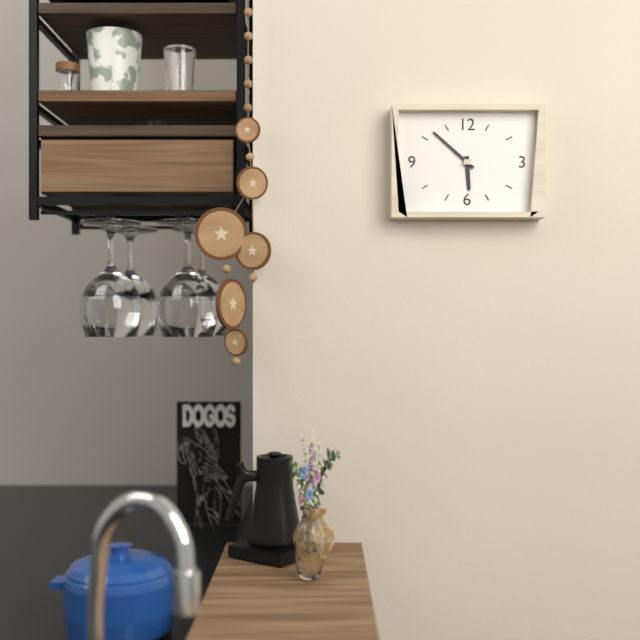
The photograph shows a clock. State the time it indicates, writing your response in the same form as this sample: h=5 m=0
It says h=5 m=52
